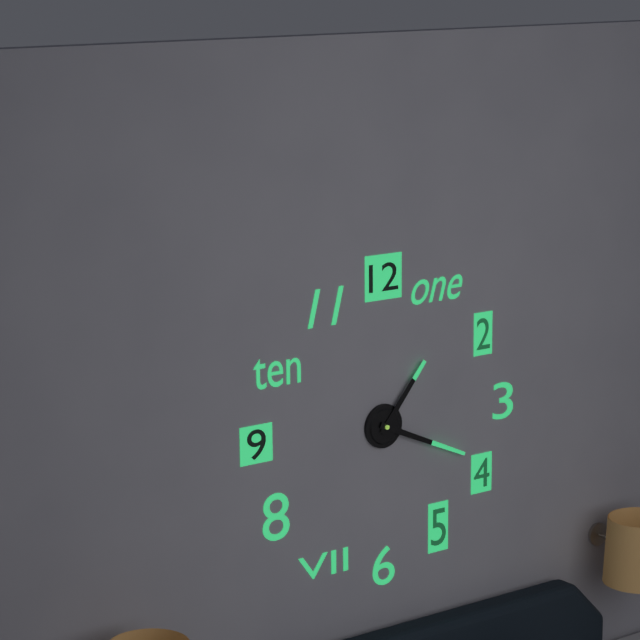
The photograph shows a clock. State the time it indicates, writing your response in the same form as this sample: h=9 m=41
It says h=1 m=19
